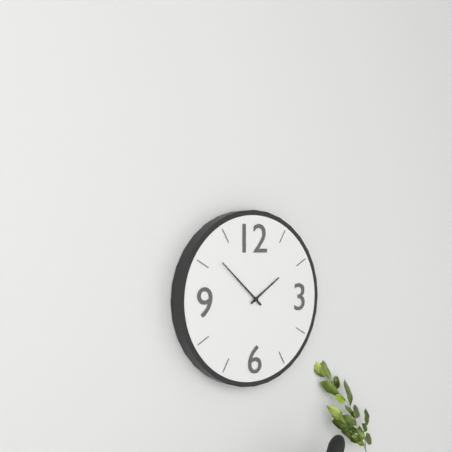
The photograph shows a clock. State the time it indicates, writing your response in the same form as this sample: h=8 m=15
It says h=1 m=52
